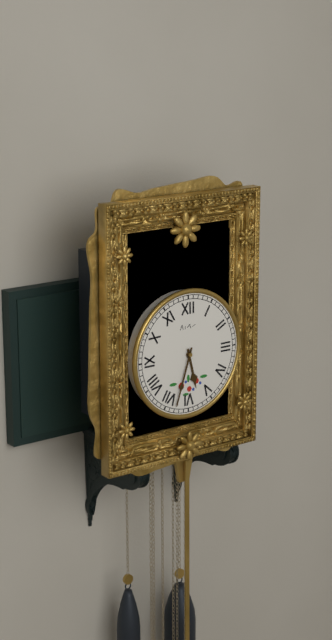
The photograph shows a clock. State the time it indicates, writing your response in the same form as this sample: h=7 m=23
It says h=5 m=33
